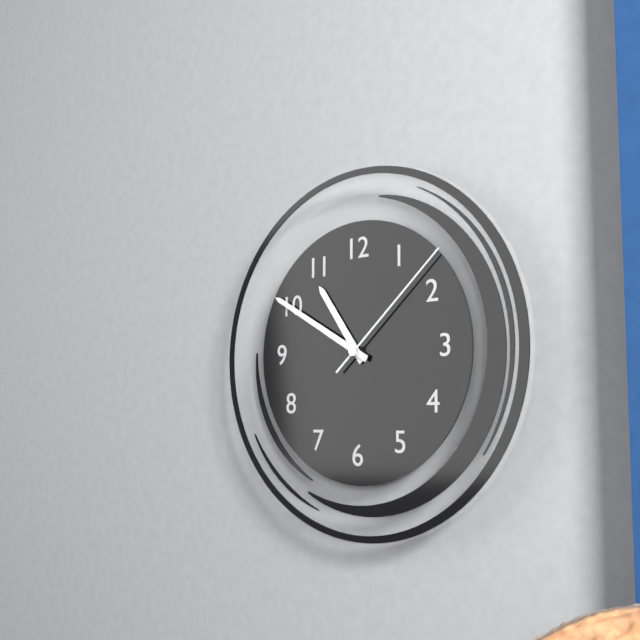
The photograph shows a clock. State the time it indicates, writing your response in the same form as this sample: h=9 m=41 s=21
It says h=10 m=50 s=8
